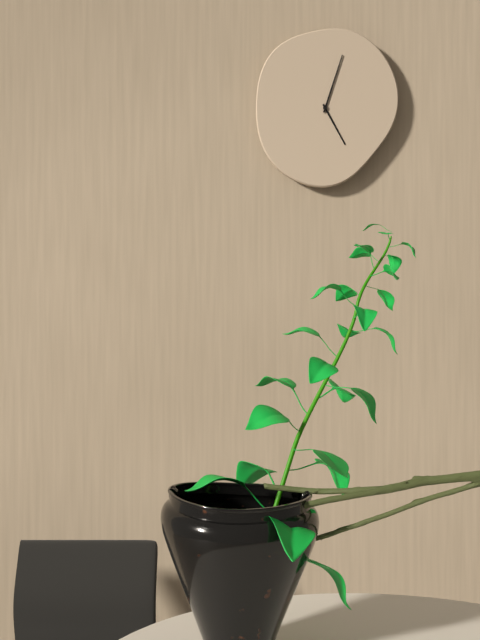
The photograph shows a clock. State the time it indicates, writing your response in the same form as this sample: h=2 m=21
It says h=5 m=3
